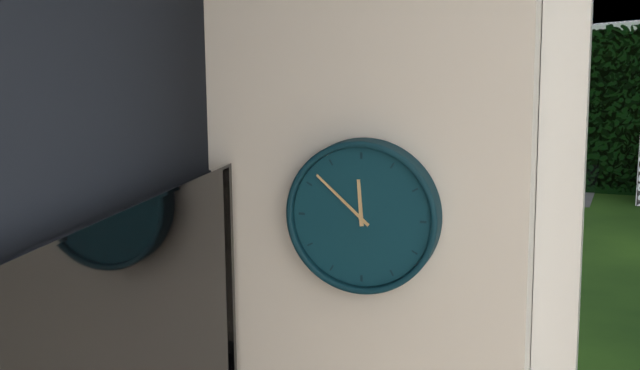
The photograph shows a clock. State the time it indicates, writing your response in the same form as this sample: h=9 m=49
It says h=11 m=52
